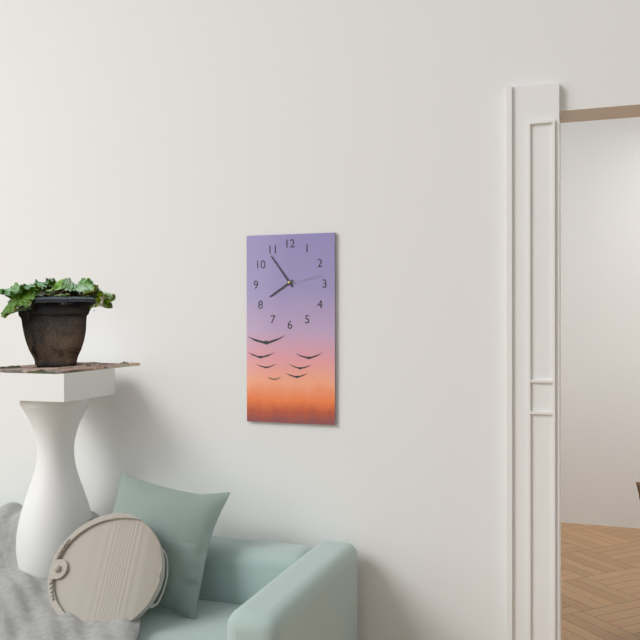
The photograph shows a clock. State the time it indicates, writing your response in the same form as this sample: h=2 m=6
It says h=7 m=54
